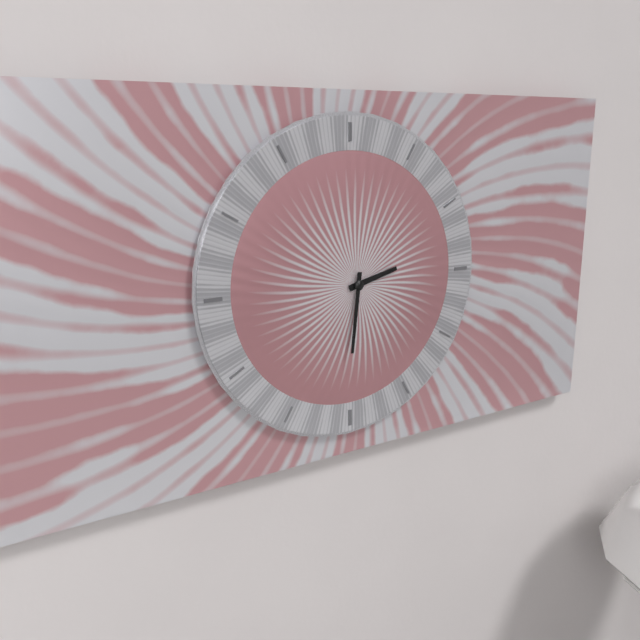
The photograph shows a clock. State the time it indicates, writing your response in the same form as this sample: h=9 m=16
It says h=2 m=31
